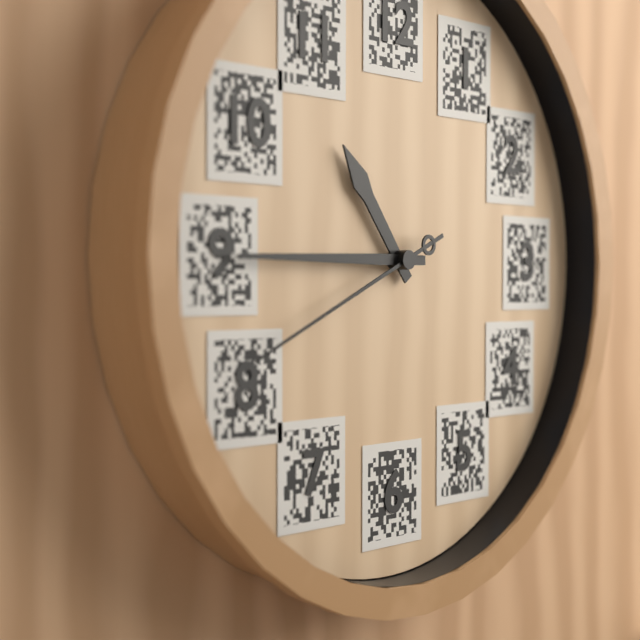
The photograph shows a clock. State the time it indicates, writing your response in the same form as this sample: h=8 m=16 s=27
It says h=10 m=45 s=41
